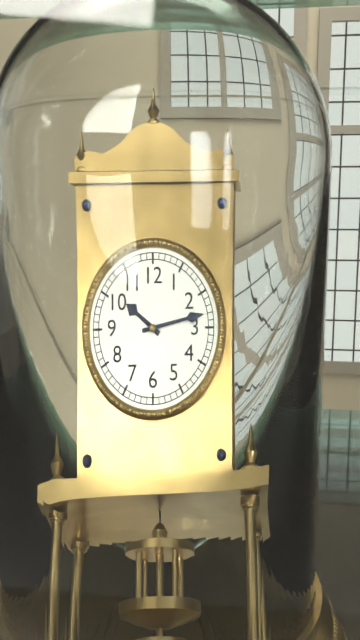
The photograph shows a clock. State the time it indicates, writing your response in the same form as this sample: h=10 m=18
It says h=10 m=13
